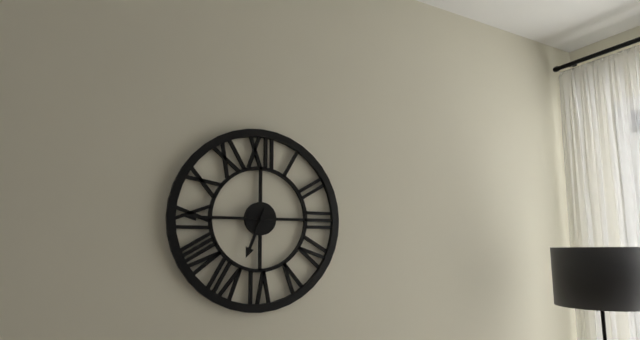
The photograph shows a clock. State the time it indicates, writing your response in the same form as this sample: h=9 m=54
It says h=6 m=45
